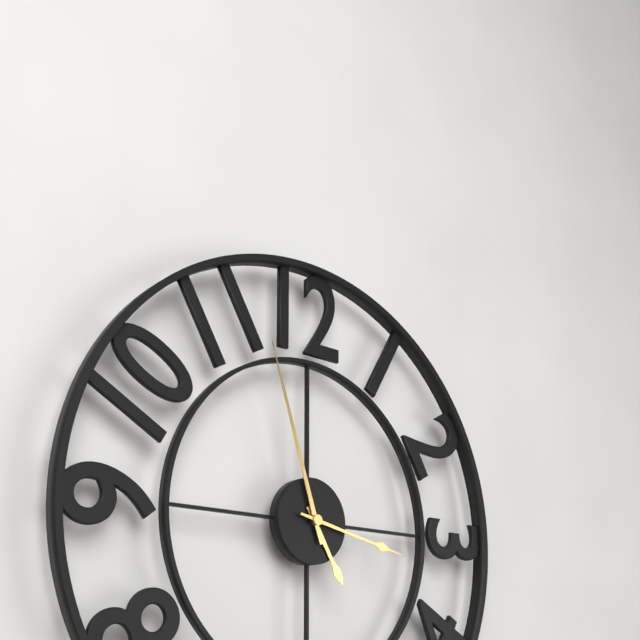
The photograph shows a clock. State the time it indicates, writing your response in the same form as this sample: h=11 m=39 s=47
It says h=4 m=57 s=17
